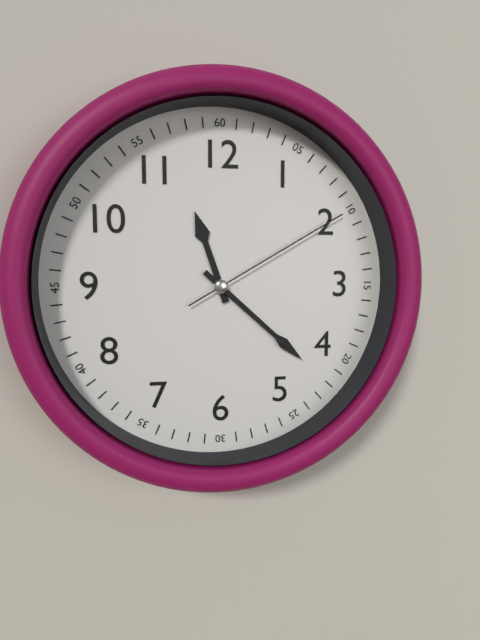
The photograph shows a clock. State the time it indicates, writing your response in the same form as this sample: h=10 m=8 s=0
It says h=11 m=22 s=10
